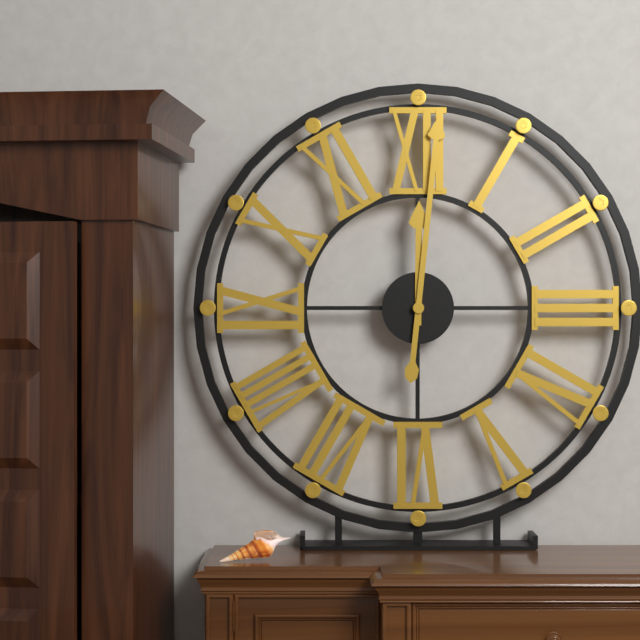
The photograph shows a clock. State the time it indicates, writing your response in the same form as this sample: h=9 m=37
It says h=12 m=1
